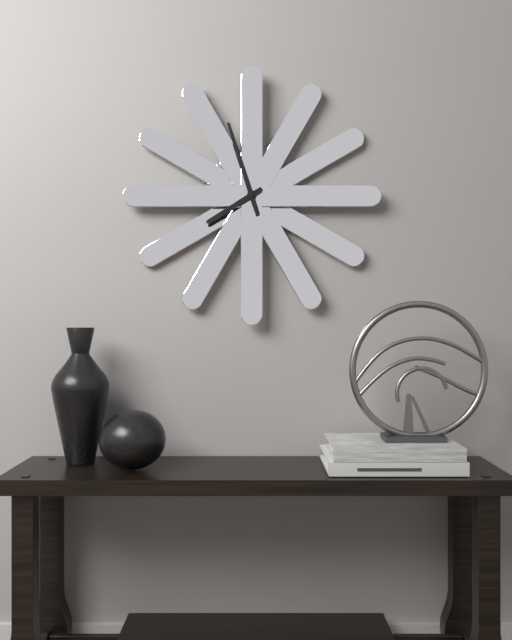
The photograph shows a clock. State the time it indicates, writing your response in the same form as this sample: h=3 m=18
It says h=7 m=57
